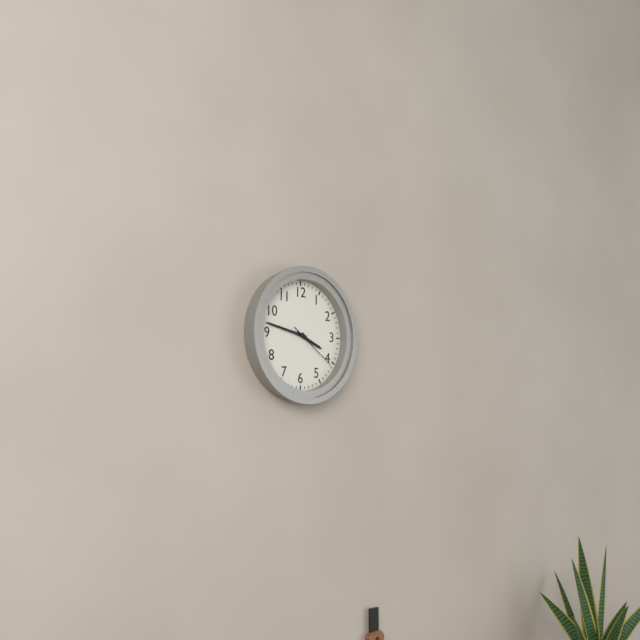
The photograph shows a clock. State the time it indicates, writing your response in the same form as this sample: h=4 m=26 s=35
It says h=3 m=47 s=21
